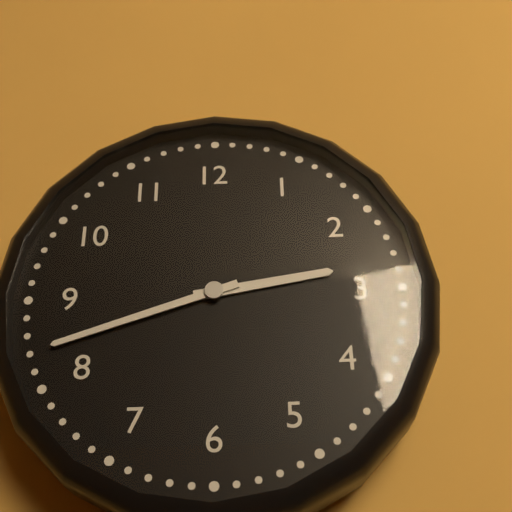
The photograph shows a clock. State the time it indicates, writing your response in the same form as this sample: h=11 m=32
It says h=2 m=42
